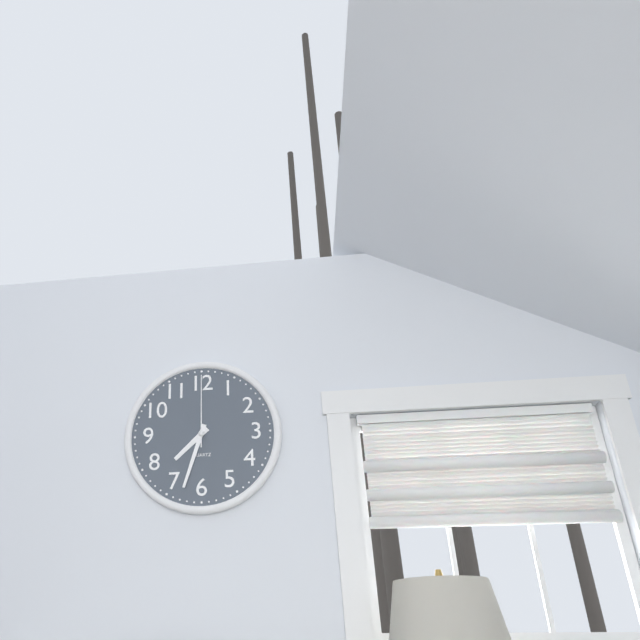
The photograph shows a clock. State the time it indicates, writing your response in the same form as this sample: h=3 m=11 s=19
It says h=7 m=33 s=0
